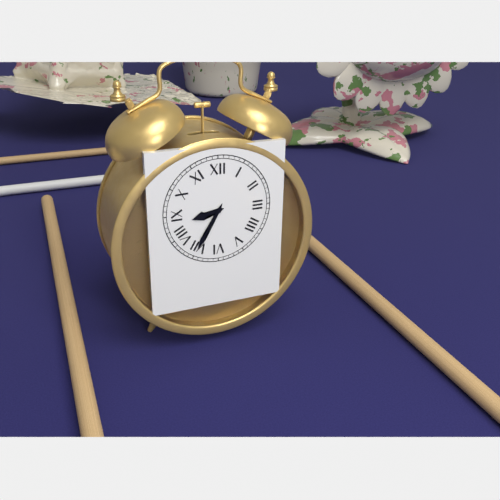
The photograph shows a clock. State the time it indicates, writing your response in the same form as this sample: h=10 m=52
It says h=8 m=35
